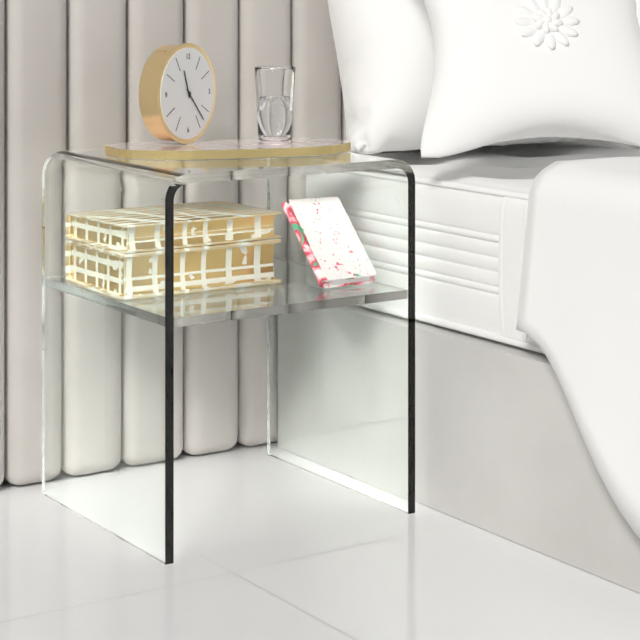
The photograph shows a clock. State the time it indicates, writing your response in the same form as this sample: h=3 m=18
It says h=11 m=23
